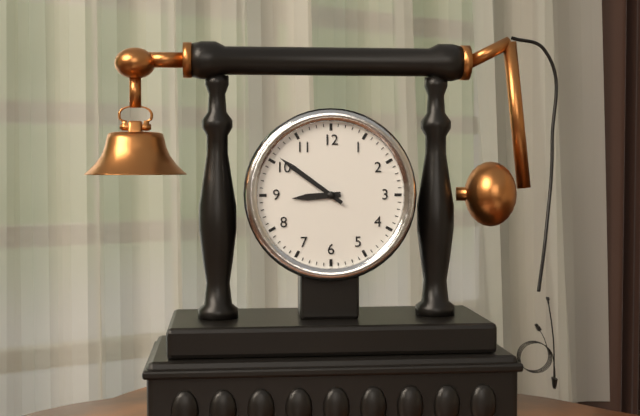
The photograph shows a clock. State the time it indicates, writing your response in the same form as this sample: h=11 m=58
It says h=8 m=51
